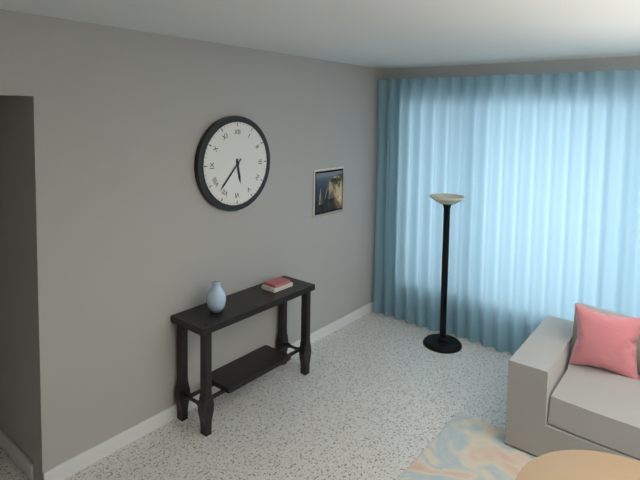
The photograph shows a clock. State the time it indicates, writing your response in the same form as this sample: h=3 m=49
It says h=5 m=37
